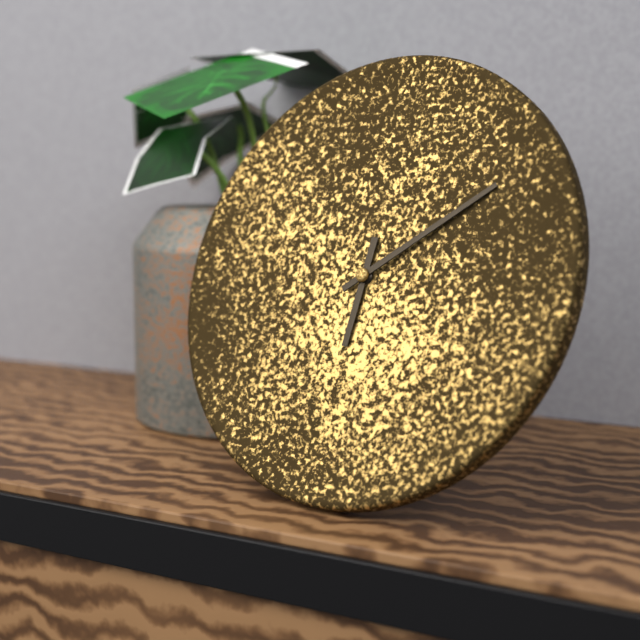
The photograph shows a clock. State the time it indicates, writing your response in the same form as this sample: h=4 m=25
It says h=6 m=9
